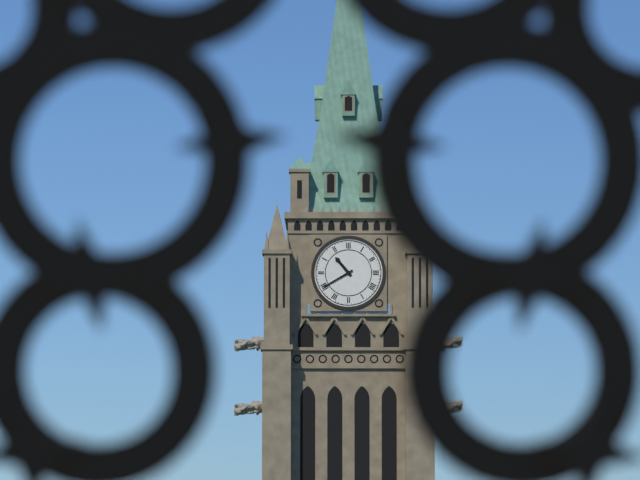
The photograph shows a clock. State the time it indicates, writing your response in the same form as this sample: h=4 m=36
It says h=10 m=40
